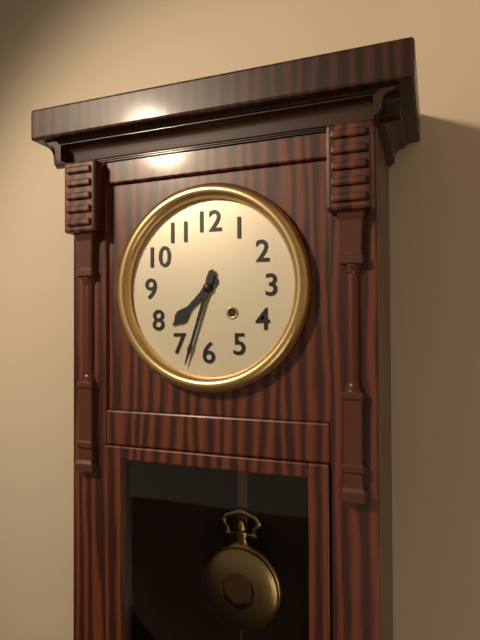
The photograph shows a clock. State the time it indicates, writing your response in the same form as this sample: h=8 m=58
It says h=7 m=33
